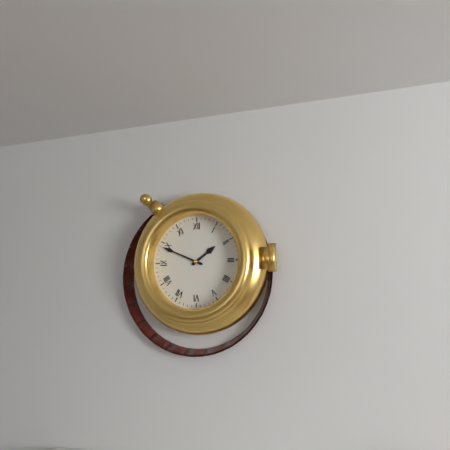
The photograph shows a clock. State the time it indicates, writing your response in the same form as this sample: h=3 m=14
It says h=1 m=49
